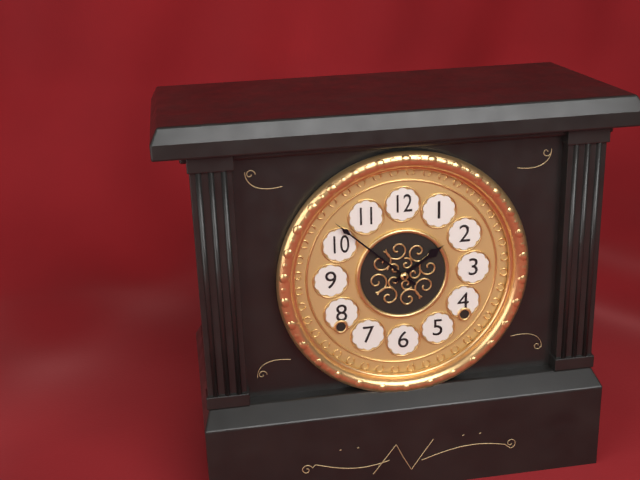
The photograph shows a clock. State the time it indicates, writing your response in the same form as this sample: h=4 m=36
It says h=1 m=52
